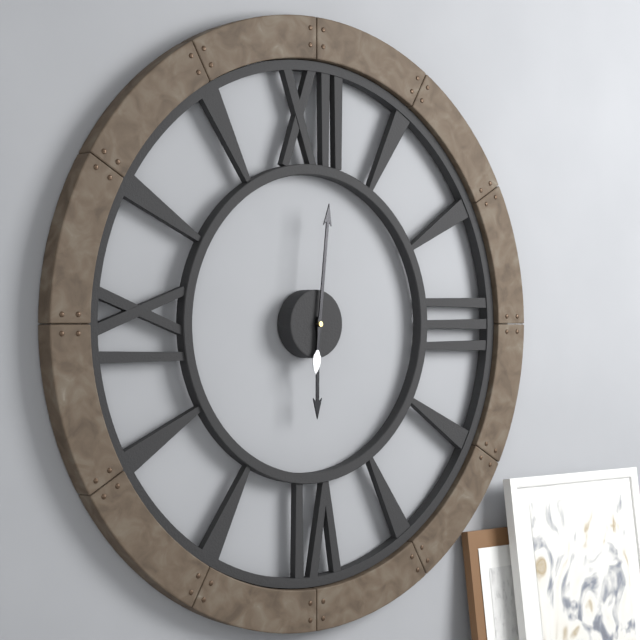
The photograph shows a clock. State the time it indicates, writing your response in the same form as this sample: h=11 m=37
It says h=6 m=1
